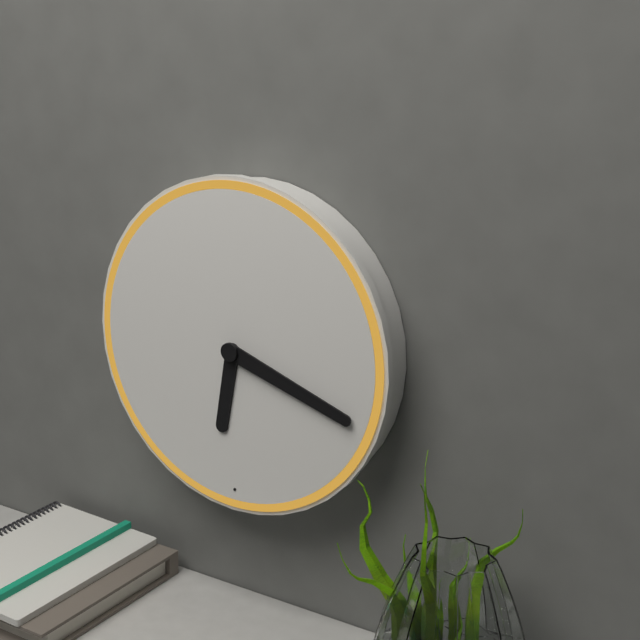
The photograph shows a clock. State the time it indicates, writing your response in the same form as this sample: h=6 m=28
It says h=6 m=18
